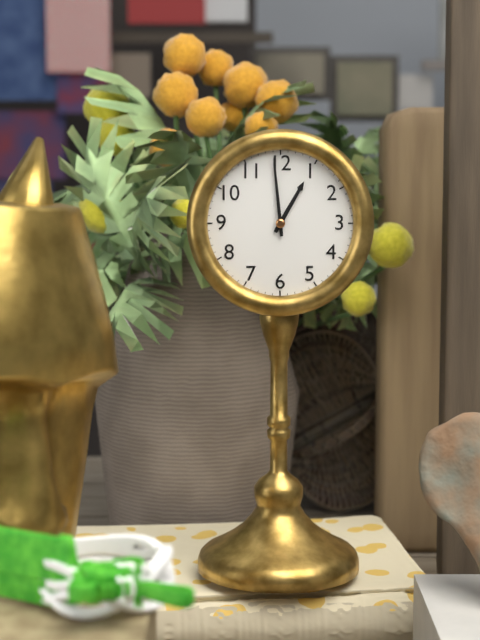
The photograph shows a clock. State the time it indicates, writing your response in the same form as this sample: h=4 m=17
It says h=12 m=59
